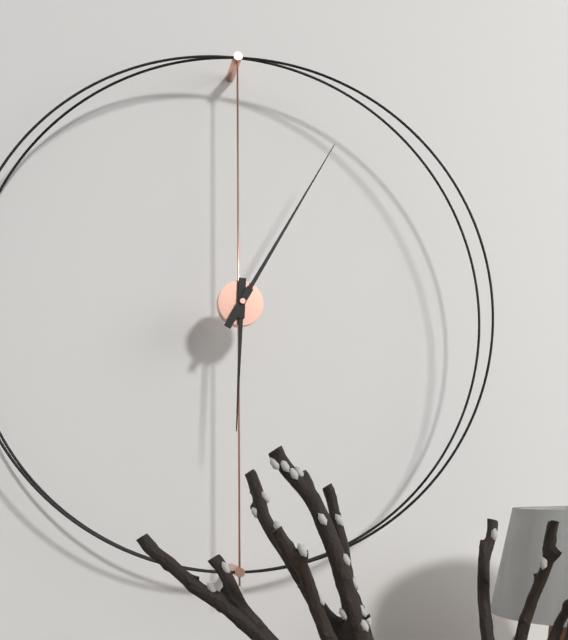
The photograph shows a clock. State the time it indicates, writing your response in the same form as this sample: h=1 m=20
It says h=6 m=5
